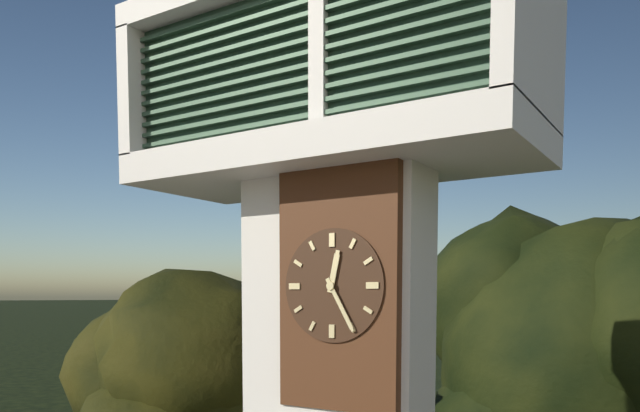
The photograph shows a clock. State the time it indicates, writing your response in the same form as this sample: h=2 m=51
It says h=12 m=25
